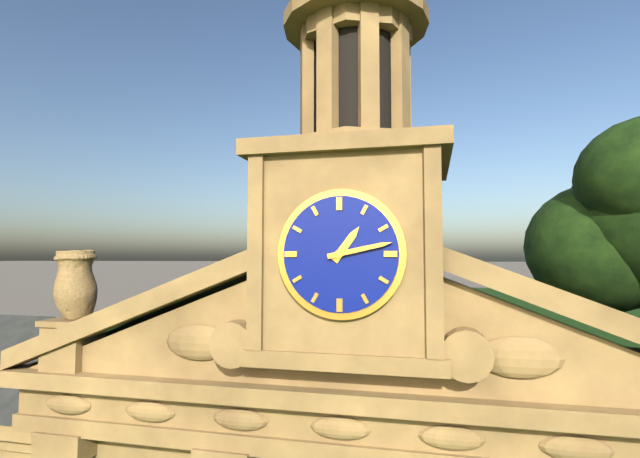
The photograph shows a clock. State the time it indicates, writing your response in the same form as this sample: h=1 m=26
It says h=1 m=13
